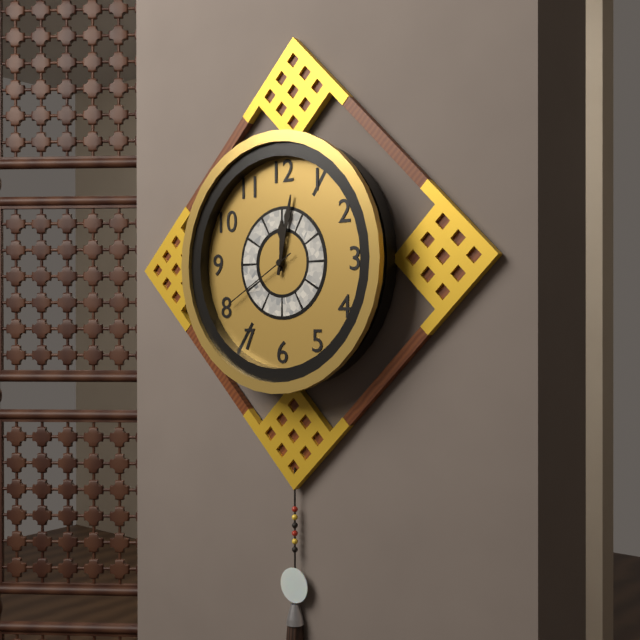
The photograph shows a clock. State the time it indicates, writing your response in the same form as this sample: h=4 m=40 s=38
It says h=12 m=2 s=40
